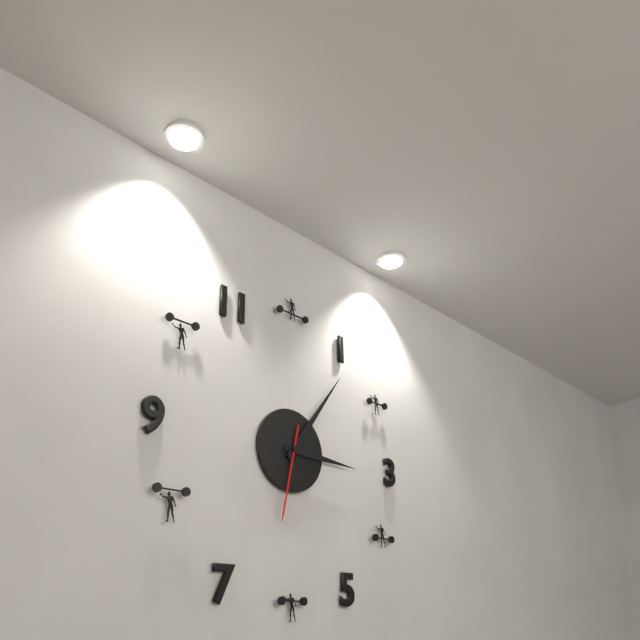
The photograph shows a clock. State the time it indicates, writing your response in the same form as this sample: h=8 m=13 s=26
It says h=3 m=6 s=32
